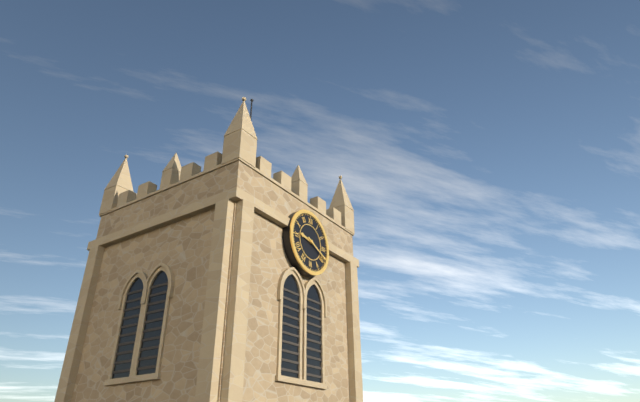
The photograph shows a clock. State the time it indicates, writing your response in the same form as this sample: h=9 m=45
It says h=9 m=19
